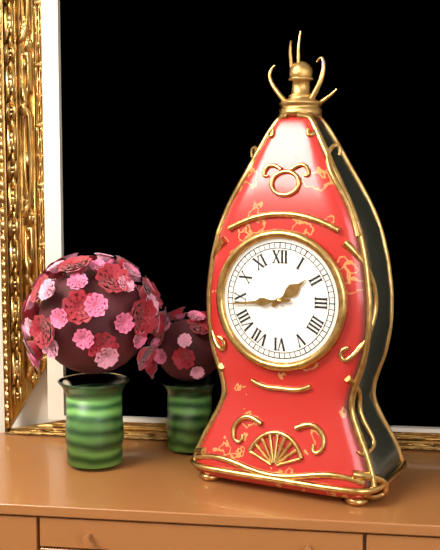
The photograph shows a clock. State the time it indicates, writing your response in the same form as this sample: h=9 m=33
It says h=1 m=44
